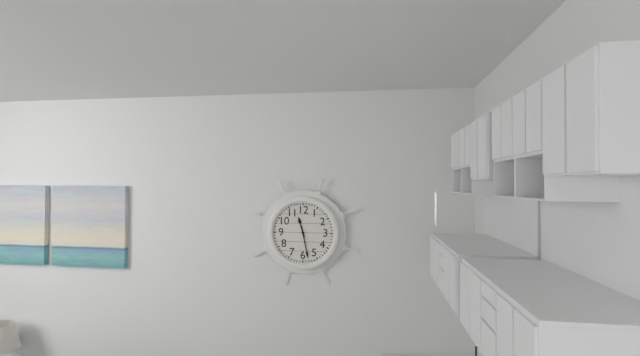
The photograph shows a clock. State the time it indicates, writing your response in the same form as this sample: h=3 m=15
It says h=11 m=28
